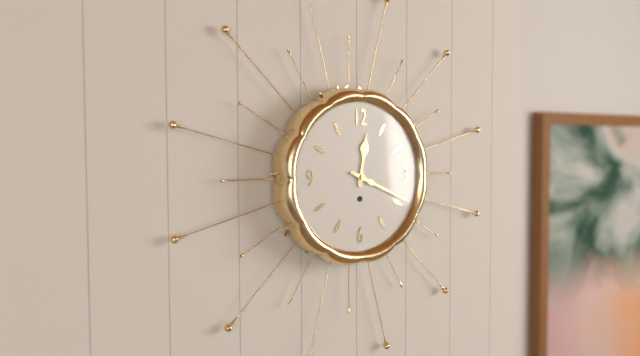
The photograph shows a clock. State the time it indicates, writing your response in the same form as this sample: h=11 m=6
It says h=12 m=19
